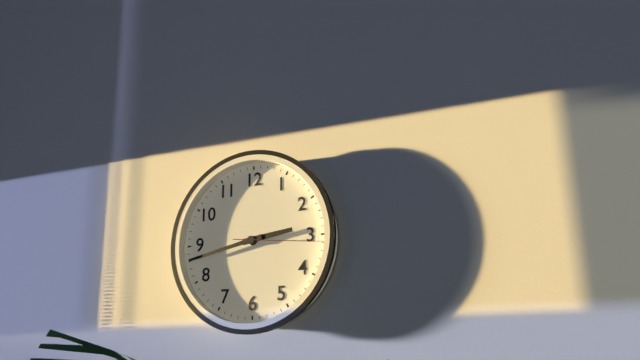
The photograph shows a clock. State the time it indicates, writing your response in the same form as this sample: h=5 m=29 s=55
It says h=2 m=43 s=16
